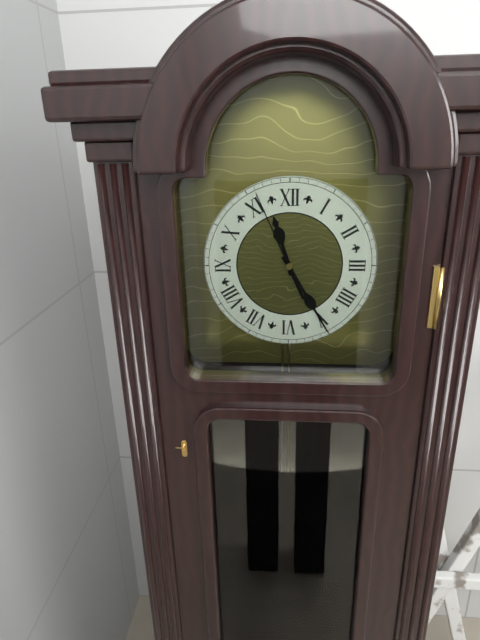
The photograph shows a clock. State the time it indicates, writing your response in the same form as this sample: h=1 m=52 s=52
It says h=11 m=25 s=56
